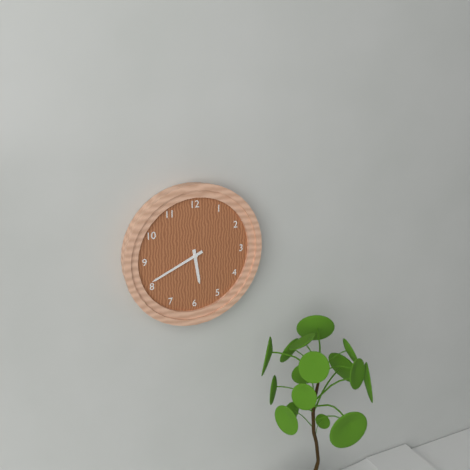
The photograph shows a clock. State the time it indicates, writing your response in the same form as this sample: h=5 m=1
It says h=5 m=41
